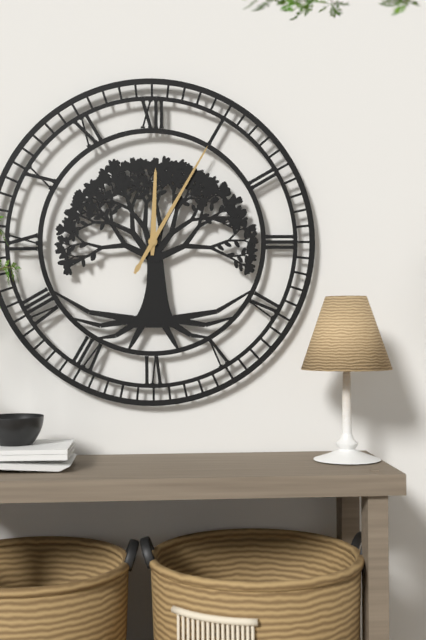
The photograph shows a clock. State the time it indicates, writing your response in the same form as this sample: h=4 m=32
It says h=12 m=5
